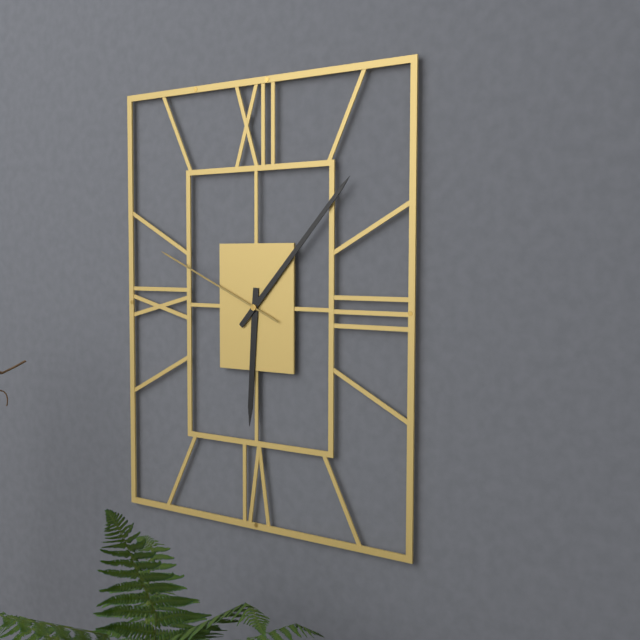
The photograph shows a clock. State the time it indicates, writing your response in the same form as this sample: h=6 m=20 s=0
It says h=6 m=7 s=49
